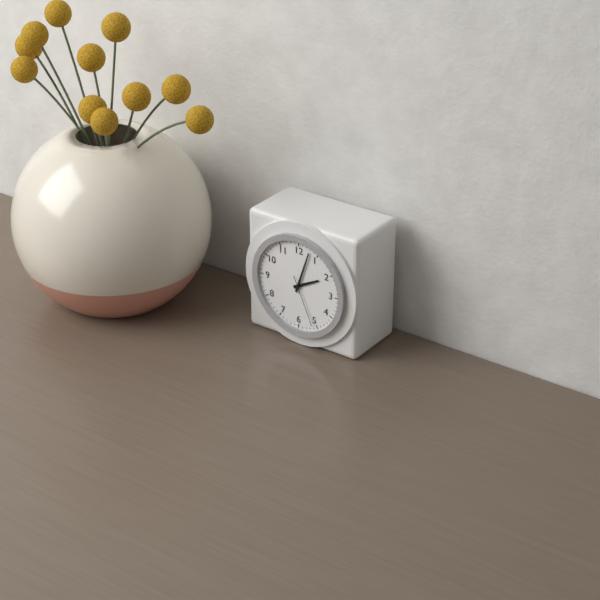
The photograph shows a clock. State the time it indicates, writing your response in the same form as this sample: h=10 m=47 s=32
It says h=2 m=3 s=26
